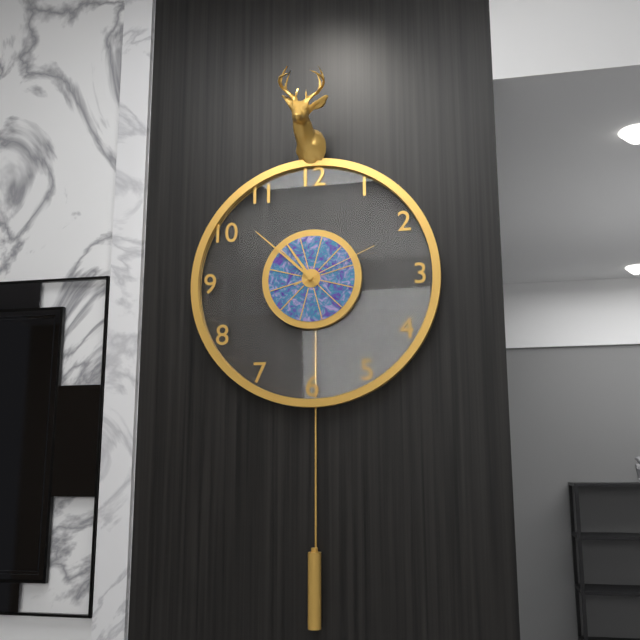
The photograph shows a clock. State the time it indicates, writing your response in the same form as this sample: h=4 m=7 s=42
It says h=10 m=52 s=11
